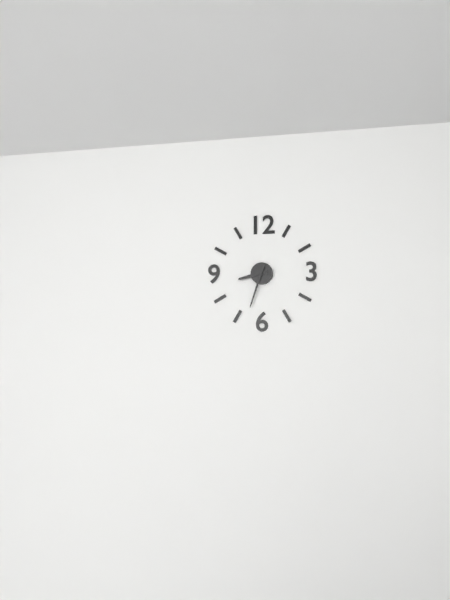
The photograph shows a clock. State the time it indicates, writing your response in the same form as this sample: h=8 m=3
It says h=8 m=33
